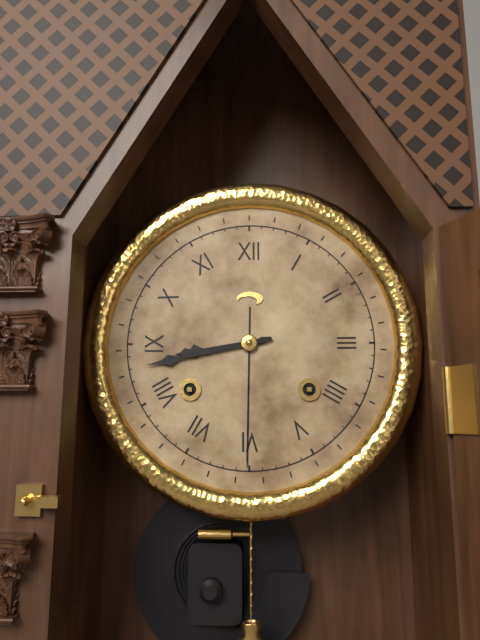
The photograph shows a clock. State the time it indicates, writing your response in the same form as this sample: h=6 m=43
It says h=8 m=43
